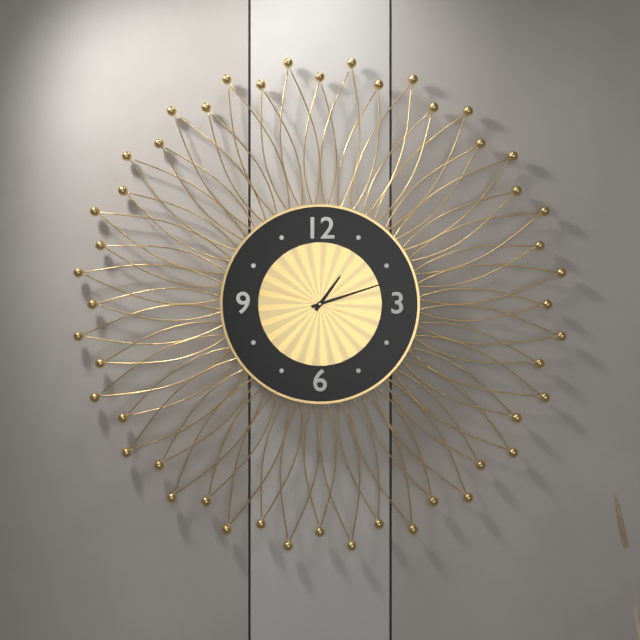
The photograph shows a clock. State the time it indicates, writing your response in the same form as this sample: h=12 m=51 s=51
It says h=1 m=12 s=48
